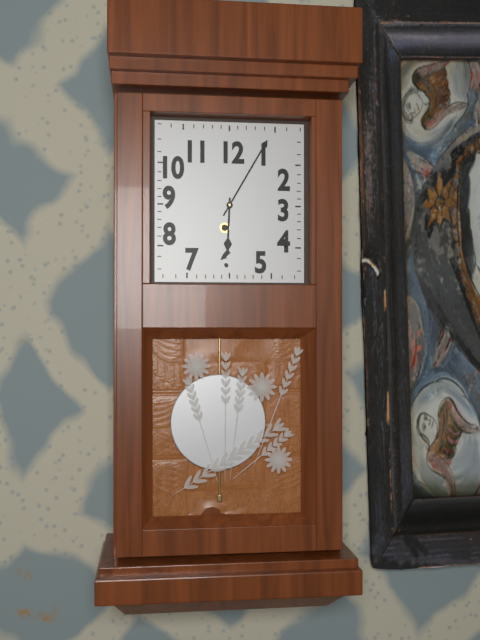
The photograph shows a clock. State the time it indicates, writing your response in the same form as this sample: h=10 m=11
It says h=6 m=5
